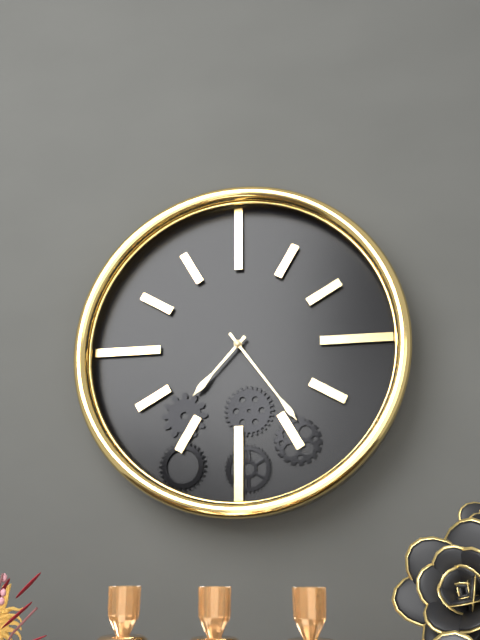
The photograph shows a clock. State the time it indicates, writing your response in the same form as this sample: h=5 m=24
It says h=7 m=24
